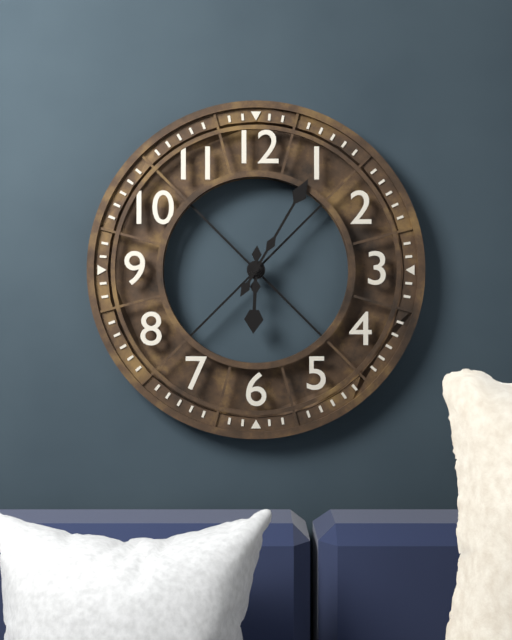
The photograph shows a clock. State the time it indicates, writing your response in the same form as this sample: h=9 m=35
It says h=6 m=5
